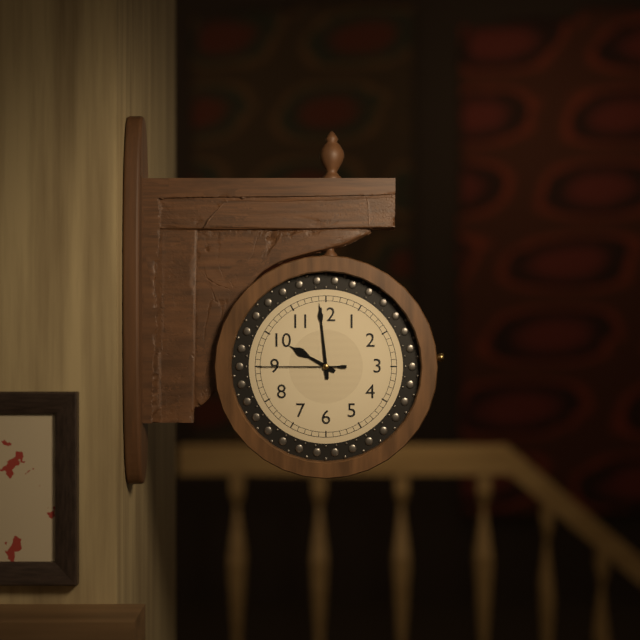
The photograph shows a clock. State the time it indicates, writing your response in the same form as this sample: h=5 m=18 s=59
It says h=9 m=59 s=45
